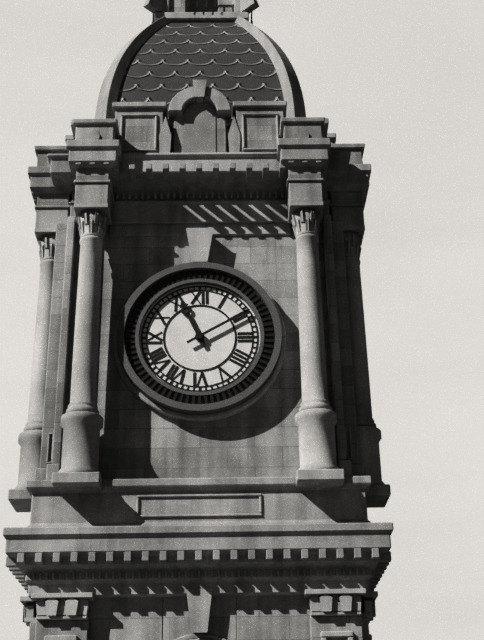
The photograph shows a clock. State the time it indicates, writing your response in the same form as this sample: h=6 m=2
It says h=11 m=10
